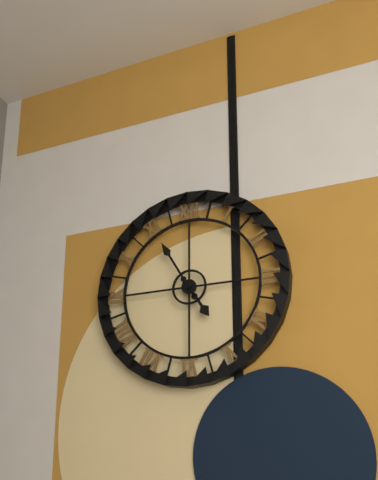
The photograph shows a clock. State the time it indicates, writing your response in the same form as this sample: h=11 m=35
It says h=4 m=55
